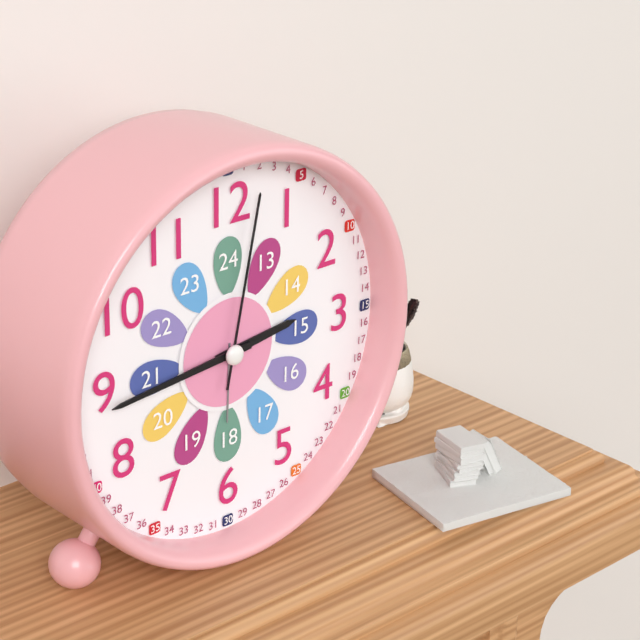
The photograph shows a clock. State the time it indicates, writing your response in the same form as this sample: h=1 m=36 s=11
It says h=2 m=44 s=2
